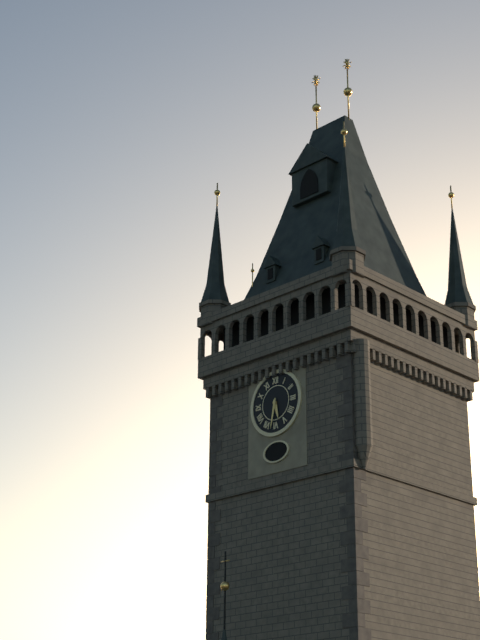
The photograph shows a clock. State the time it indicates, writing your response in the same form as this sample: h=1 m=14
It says h=5 m=32
